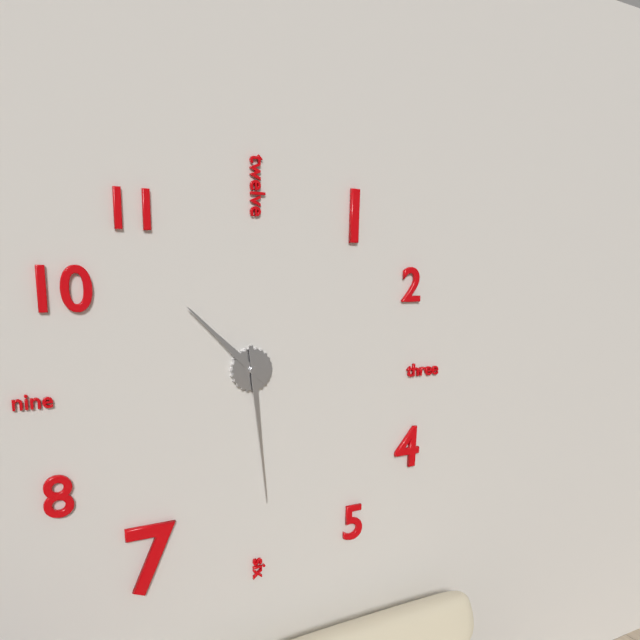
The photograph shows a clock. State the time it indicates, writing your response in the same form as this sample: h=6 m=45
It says h=10 m=29
